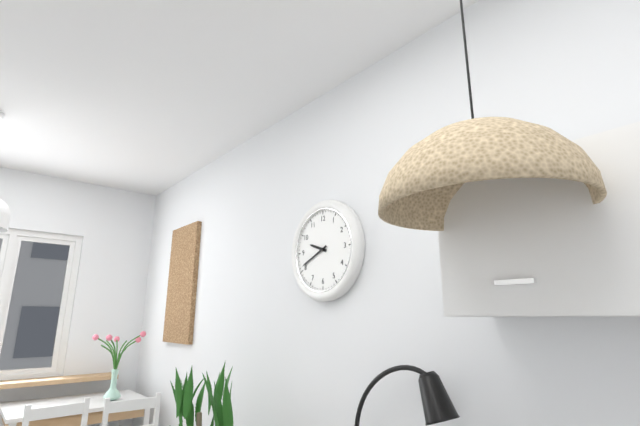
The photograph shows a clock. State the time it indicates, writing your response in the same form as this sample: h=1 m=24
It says h=9 m=41
